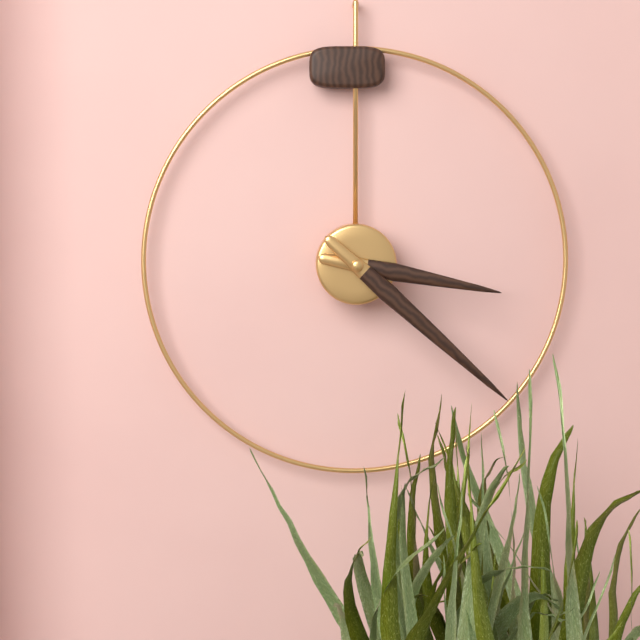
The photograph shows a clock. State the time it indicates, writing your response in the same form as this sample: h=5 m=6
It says h=3 m=22
